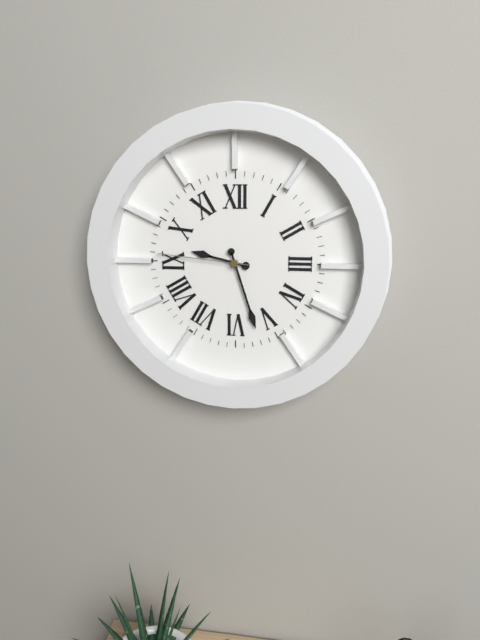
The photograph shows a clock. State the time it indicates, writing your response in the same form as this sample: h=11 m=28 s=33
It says h=9 m=27 s=46
